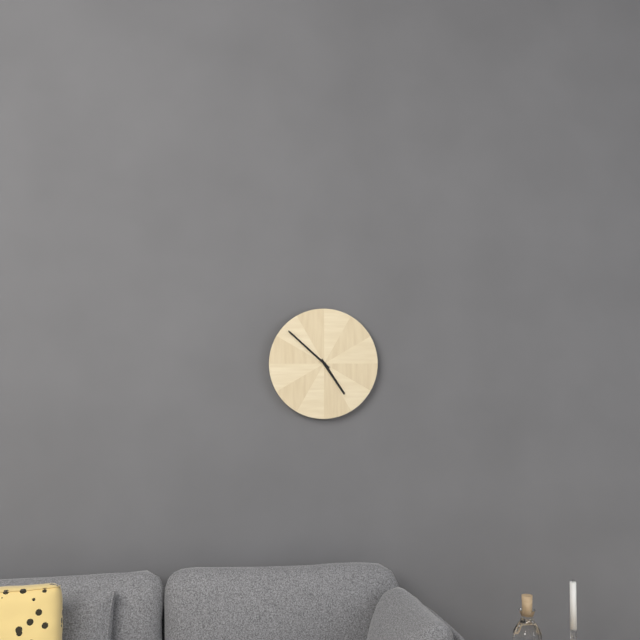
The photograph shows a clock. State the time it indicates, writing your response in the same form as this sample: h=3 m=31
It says h=4 m=52
